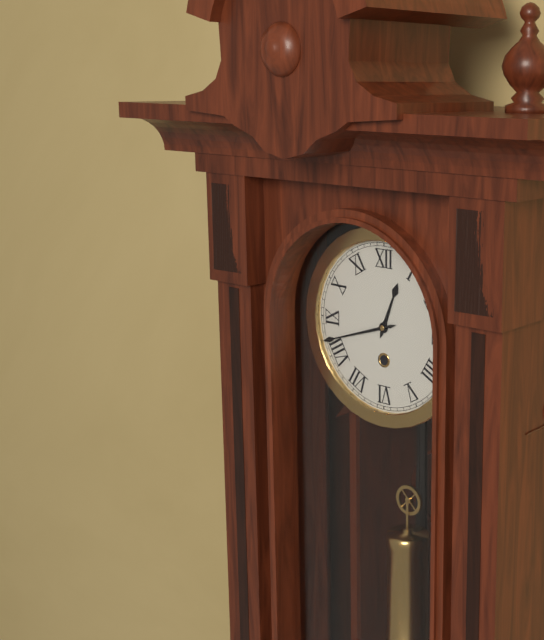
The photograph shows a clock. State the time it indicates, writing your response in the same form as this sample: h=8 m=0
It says h=12 m=42
